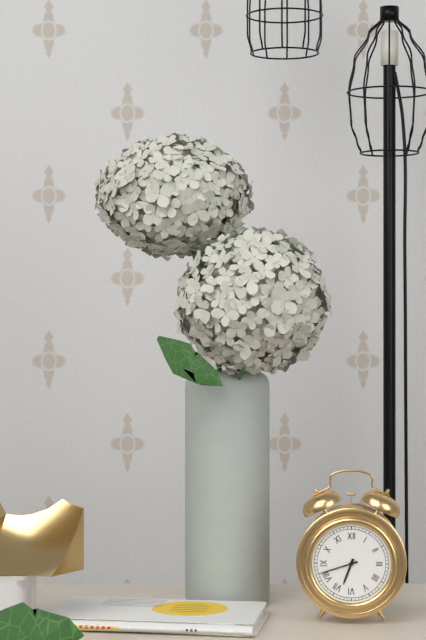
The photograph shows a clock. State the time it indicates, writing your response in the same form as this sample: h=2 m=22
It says h=6 m=42
